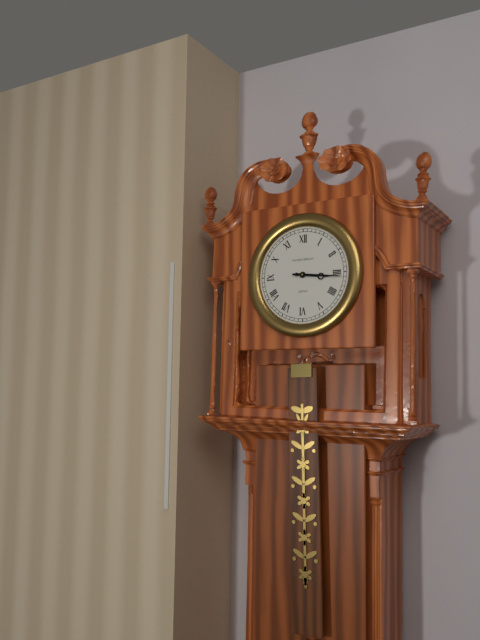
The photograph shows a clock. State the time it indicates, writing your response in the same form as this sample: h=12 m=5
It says h=3 m=16
